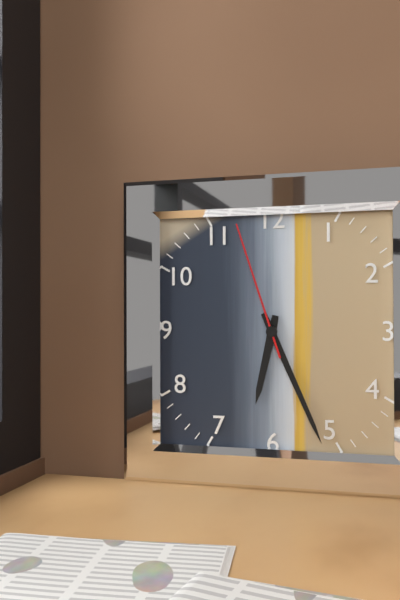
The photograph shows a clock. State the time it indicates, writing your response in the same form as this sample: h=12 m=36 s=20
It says h=6 m=26 s=57
